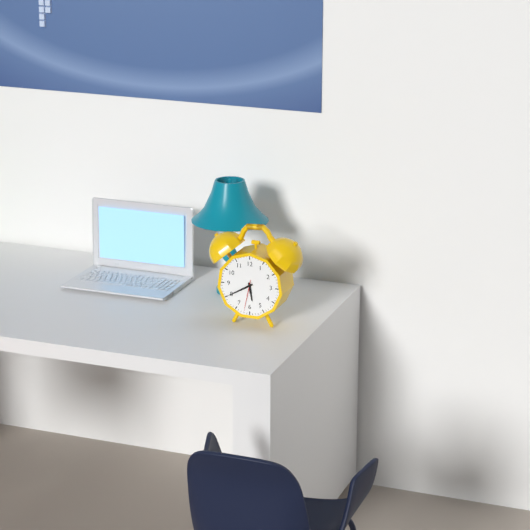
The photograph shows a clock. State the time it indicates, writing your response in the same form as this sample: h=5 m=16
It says h=5 m=40
